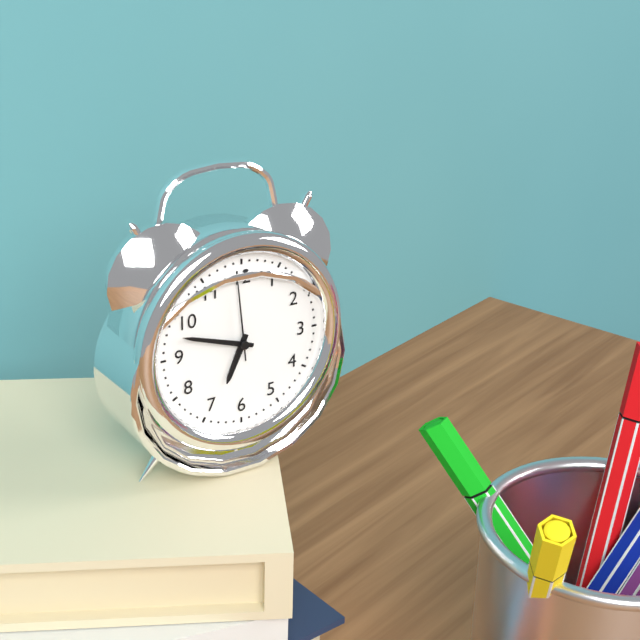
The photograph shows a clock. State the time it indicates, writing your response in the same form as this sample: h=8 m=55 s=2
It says h=6 m=48 s=59
